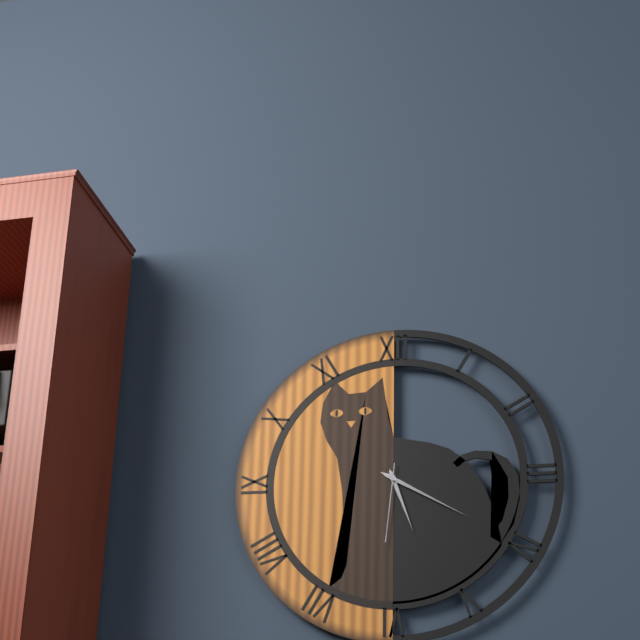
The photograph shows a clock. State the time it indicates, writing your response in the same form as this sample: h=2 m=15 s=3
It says h=5 m=20 s=31
